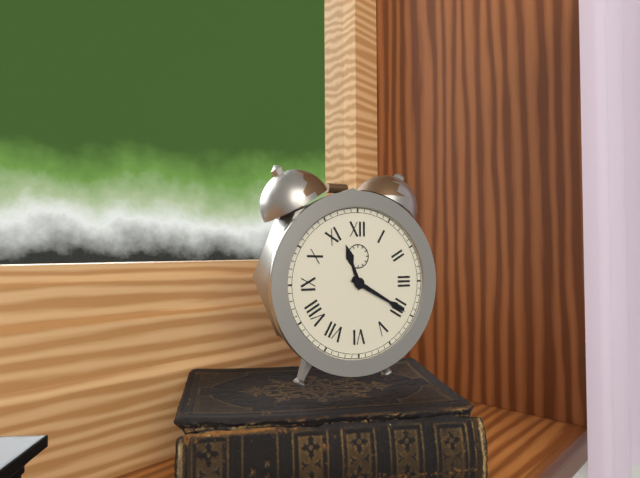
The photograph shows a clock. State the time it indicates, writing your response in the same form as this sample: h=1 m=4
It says h=11 m=20
